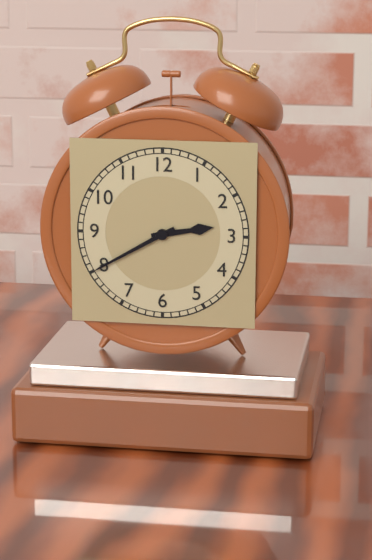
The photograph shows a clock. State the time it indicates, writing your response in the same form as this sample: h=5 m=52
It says h=2 m=40
